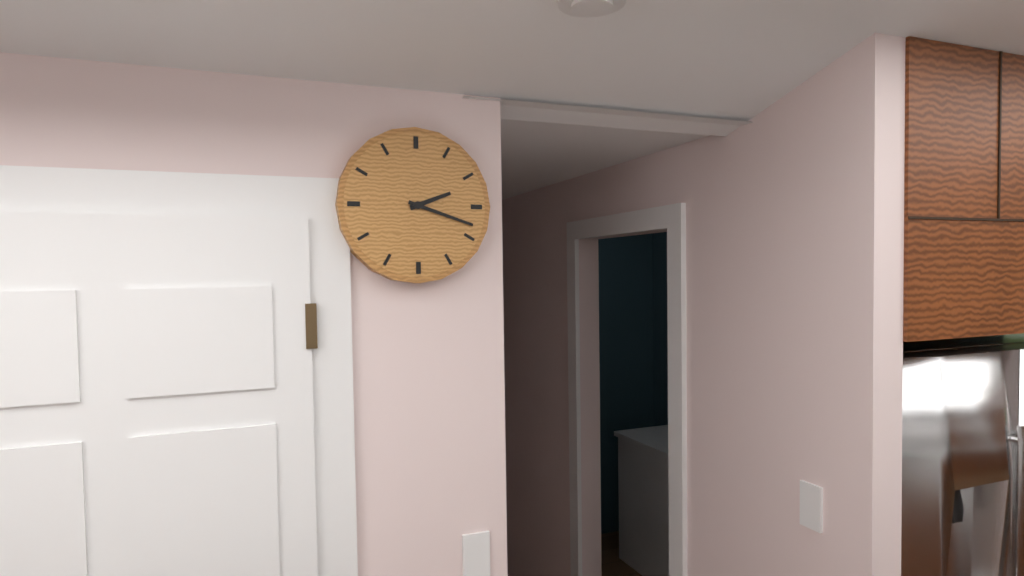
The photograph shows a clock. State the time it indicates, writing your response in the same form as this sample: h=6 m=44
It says h=2 m=18
